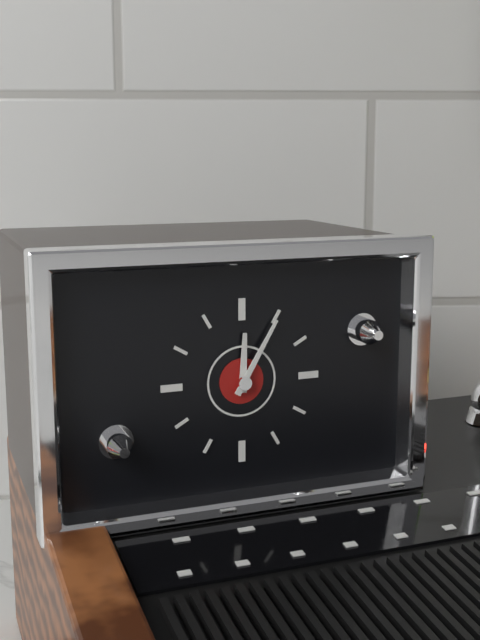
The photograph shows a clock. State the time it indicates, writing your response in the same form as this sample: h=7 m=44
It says h=12 m=5
